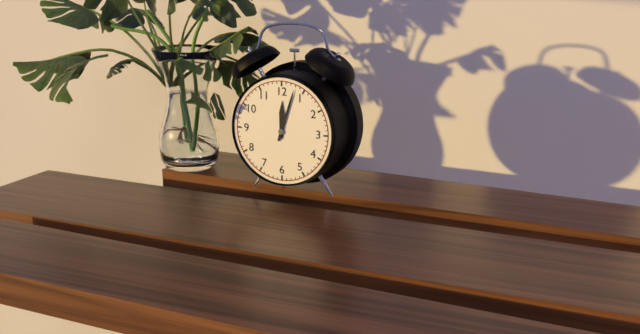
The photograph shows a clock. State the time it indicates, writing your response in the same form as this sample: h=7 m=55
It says h=12 m=3
